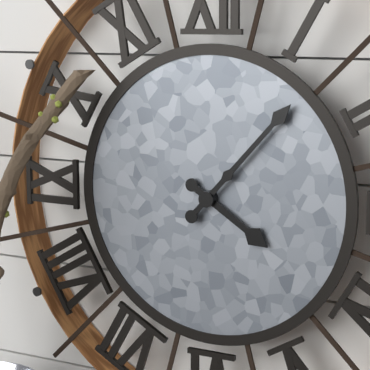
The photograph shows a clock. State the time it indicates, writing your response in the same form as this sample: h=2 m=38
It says h=4 m=7
